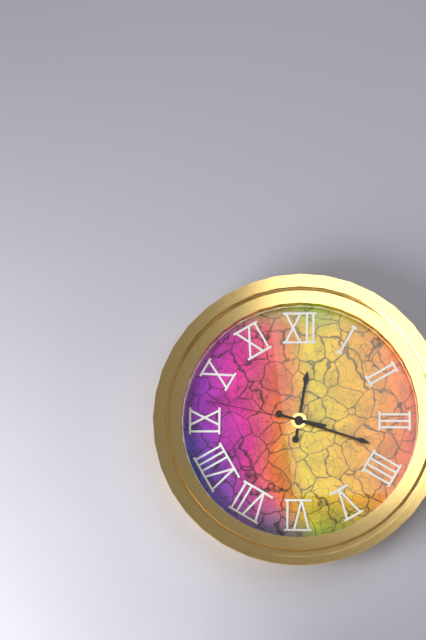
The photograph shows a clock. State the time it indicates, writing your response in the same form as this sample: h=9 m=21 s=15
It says h=12 m=18 s=47
